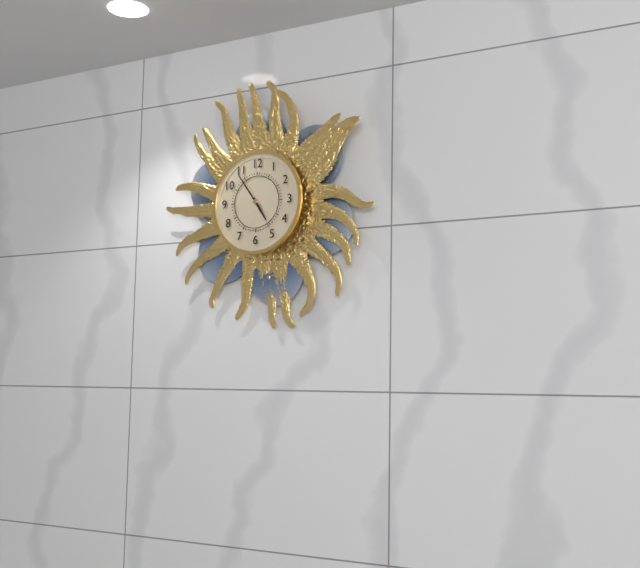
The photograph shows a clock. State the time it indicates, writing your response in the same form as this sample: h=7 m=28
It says h=4 m=54
